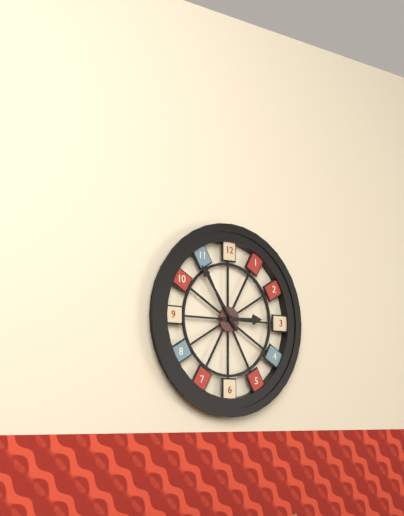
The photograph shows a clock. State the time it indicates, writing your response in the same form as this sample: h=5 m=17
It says h=2 m=54
